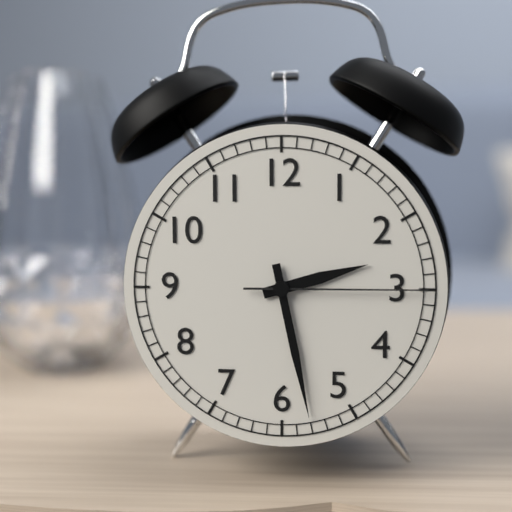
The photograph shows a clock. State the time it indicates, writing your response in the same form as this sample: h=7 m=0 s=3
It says h=2 m=28 s=15
